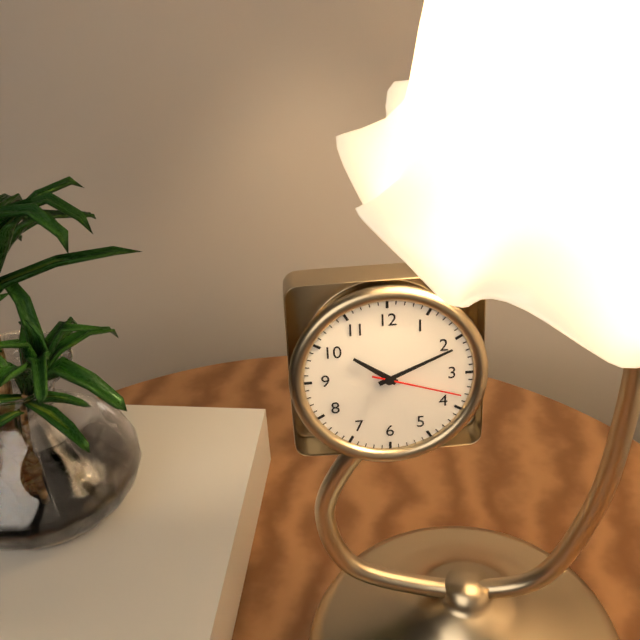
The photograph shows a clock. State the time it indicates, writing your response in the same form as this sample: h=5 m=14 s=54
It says h=10 m=11 s=18
